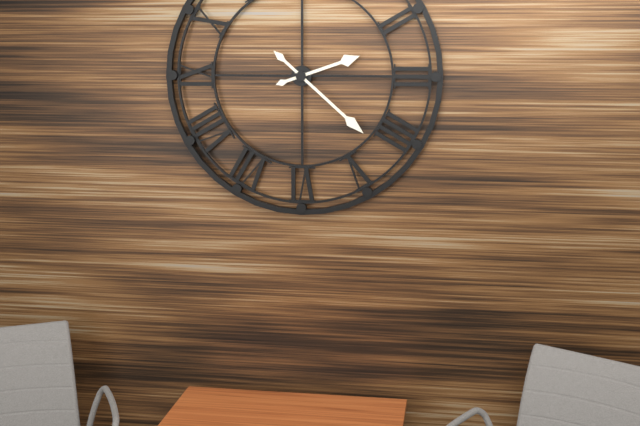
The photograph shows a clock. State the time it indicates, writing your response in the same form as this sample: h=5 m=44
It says h=2 m=22
